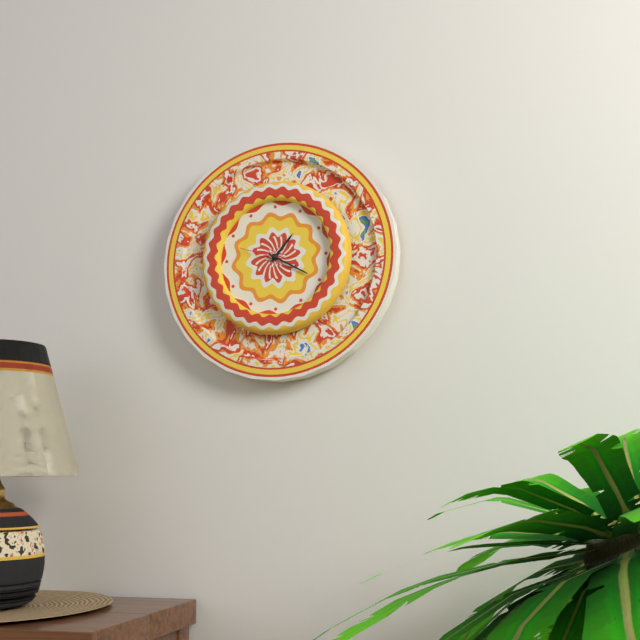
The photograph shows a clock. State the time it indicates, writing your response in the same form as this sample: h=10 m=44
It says h=1 m=20
